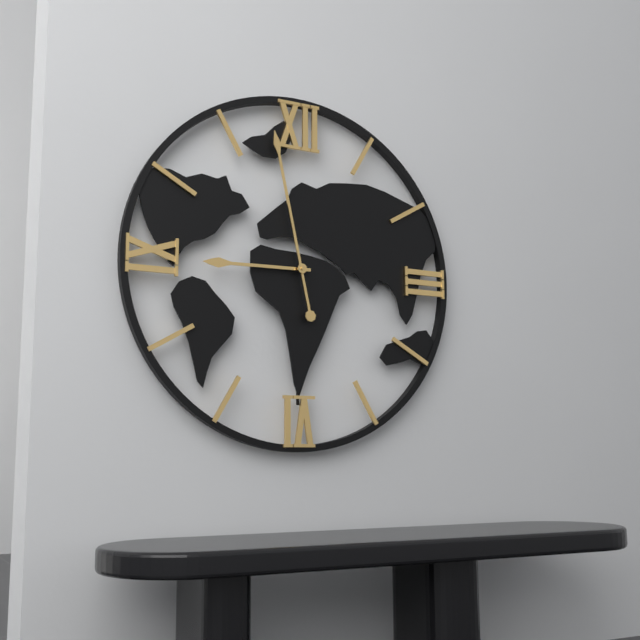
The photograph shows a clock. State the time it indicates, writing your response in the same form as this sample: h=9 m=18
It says h=8 m=58
